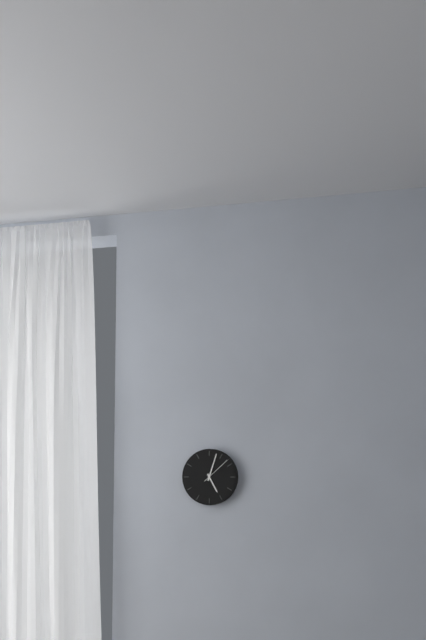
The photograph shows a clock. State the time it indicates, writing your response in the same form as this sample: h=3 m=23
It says h=5 m=3
